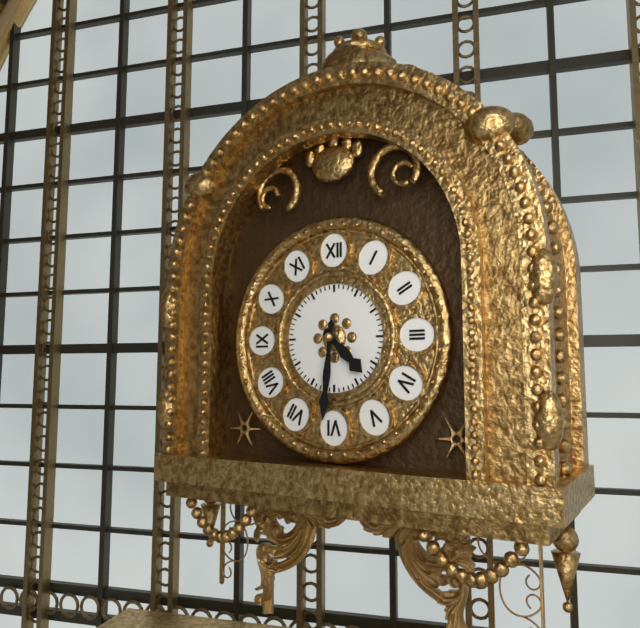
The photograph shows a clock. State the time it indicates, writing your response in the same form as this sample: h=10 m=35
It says h=4 m=31
